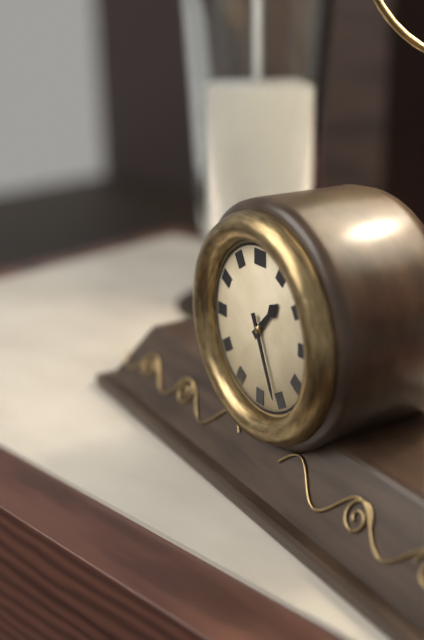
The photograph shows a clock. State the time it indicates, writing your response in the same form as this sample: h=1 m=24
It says h=1 m=26
